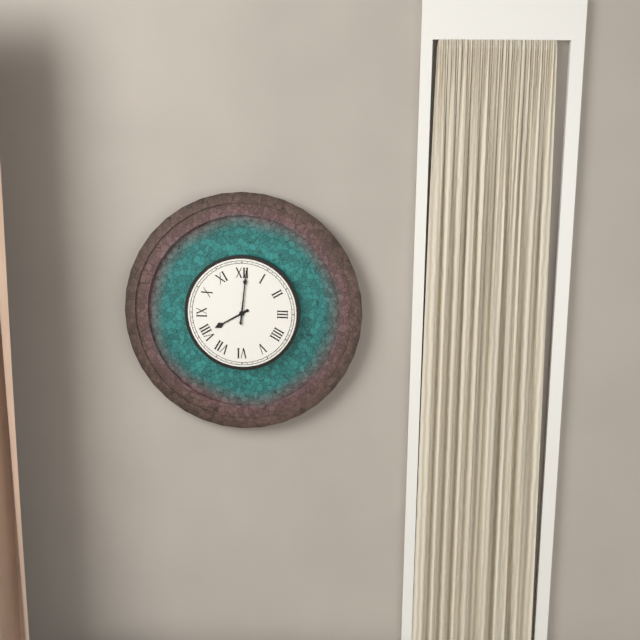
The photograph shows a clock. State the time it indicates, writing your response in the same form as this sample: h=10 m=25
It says h=8 m=1
